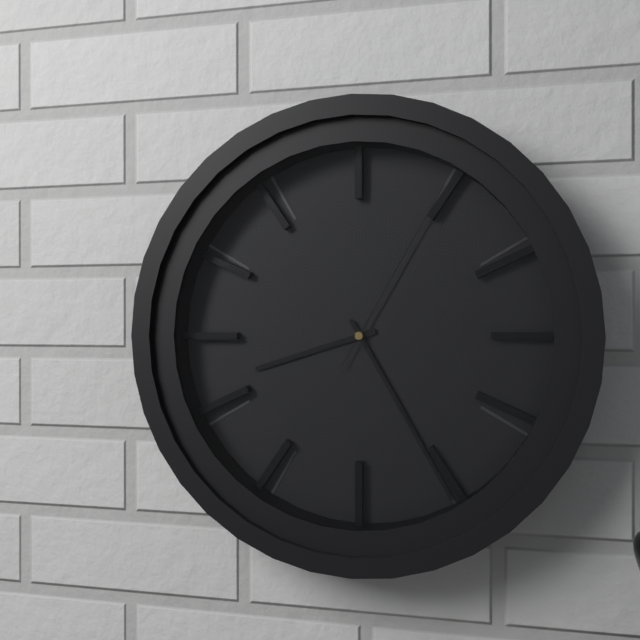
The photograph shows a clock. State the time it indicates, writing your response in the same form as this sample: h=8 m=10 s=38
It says h=8 m=25 s=5
